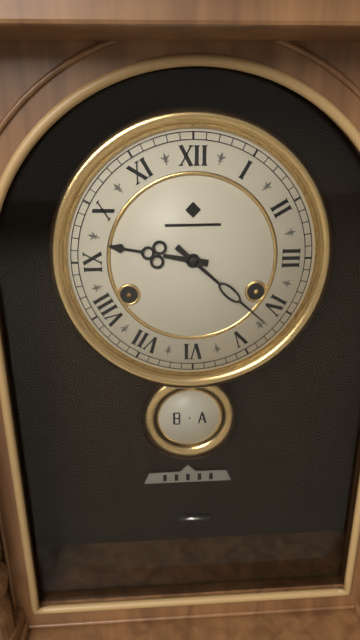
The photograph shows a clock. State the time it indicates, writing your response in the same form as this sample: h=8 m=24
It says h=9 m=22
